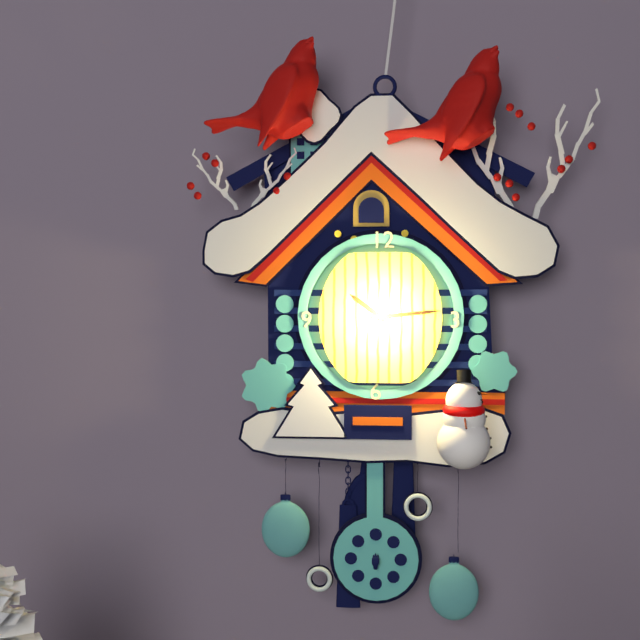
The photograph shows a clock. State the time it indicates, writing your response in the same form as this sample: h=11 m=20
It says h=10 m=14
